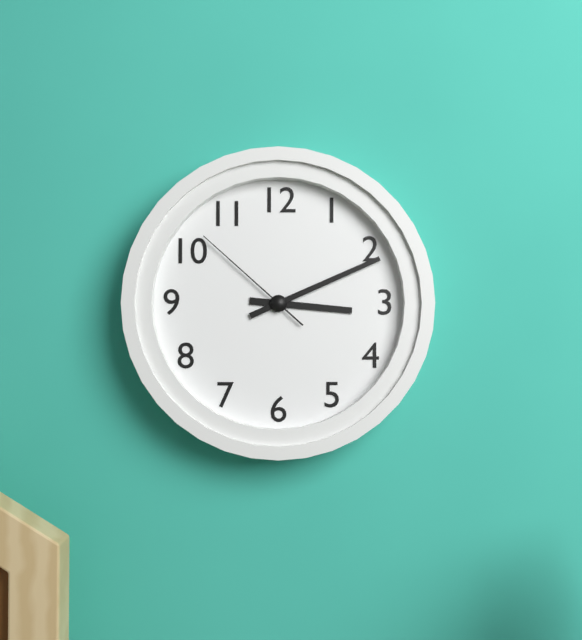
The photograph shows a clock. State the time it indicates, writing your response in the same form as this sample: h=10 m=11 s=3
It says h=3 m=11 s=52
